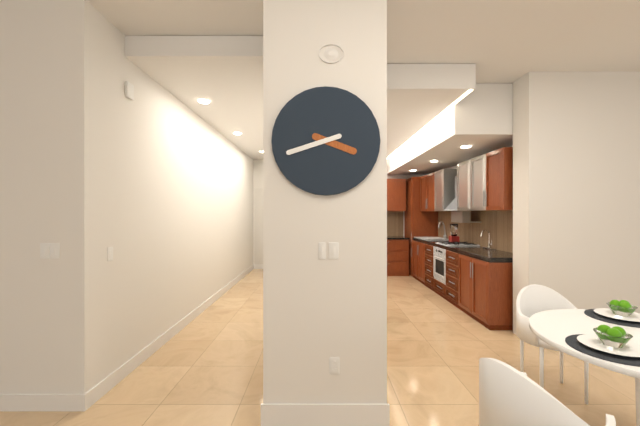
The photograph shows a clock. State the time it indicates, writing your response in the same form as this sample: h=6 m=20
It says h=3 m=42
